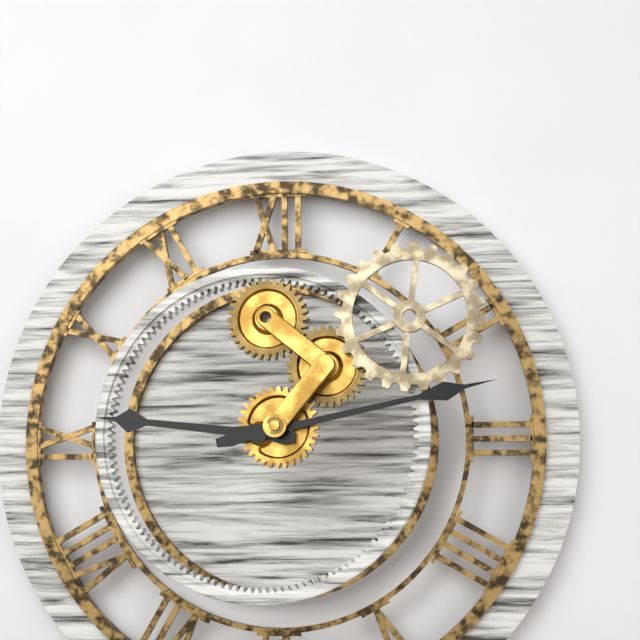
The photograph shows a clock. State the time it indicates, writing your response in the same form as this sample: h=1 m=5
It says h=9 m=13
